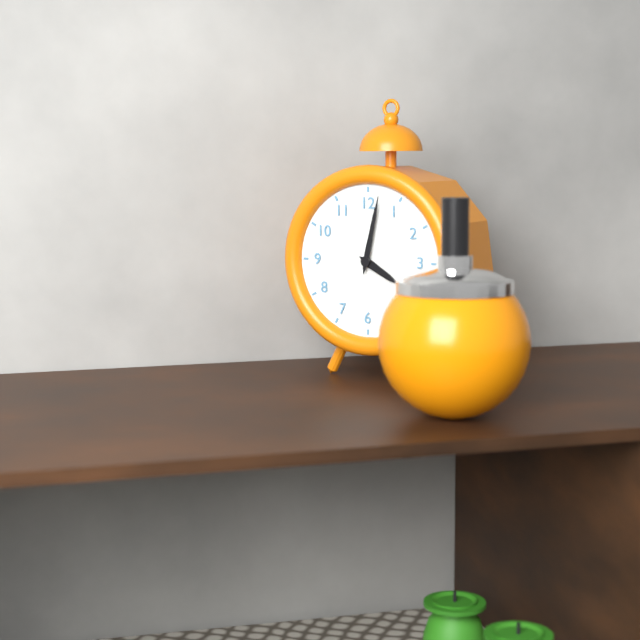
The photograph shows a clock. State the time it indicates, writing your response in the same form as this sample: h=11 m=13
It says h=4 m=2
